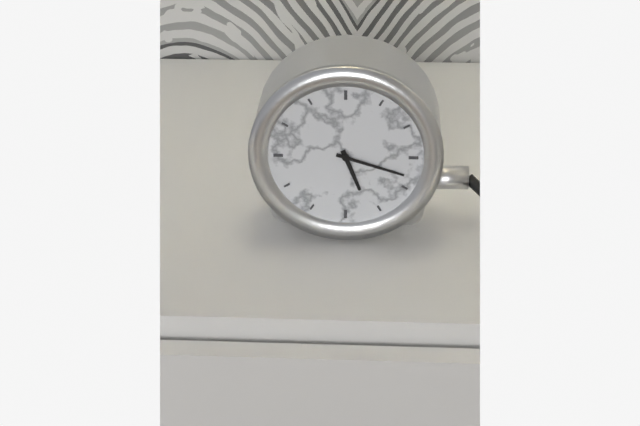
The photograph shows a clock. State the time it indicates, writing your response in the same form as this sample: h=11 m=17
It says h=5 m=18
